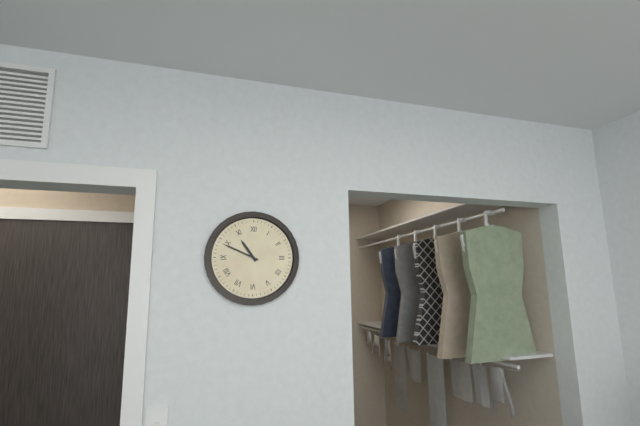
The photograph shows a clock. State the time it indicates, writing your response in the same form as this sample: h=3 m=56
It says h=10 m=49
